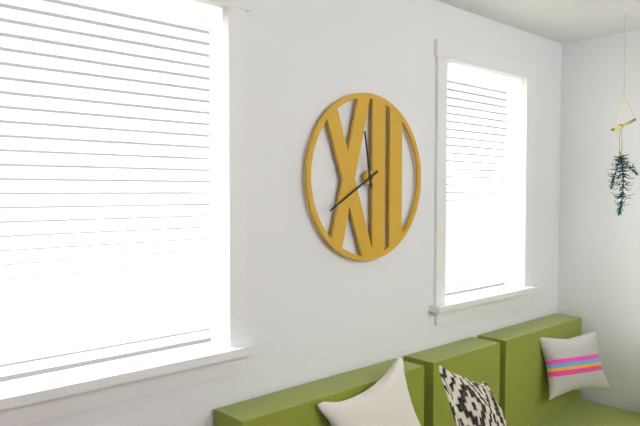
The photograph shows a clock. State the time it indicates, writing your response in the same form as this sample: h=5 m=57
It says h=11 m=40
